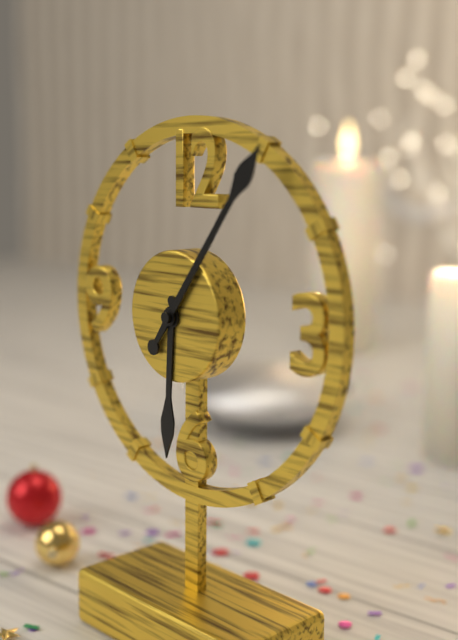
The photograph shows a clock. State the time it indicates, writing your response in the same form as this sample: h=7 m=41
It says h=6 m=6
